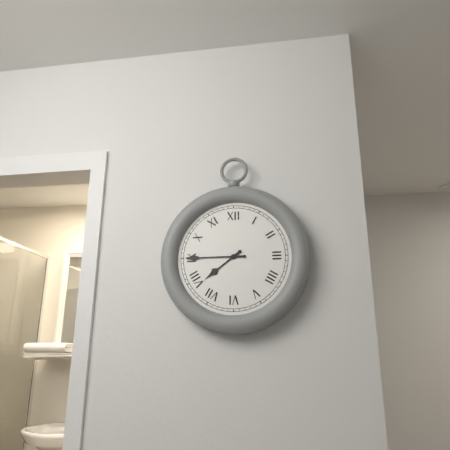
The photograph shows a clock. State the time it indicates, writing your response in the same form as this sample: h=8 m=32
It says h=7 m=45
